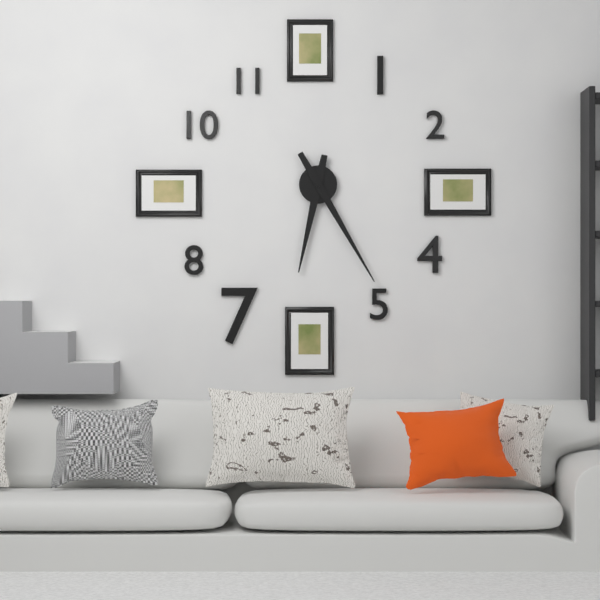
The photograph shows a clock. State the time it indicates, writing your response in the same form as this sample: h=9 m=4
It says h=6 m=25
